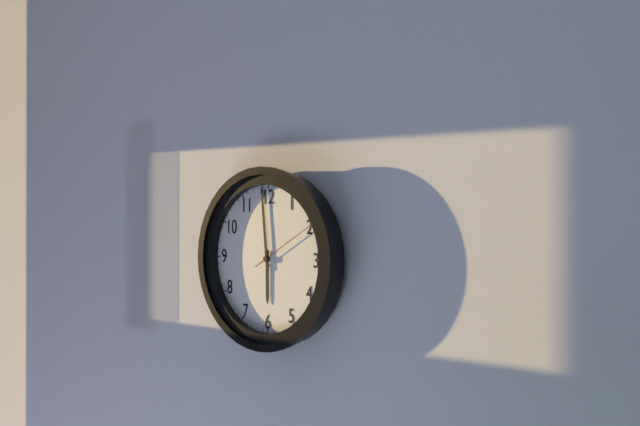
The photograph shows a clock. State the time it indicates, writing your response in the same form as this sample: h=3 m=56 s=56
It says h=5 m=59 s=10
